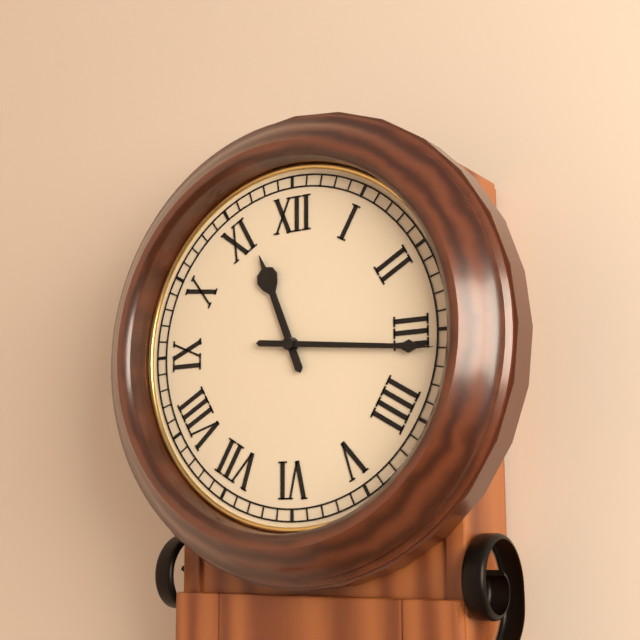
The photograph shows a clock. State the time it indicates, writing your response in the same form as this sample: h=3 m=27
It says h=11 m=16
